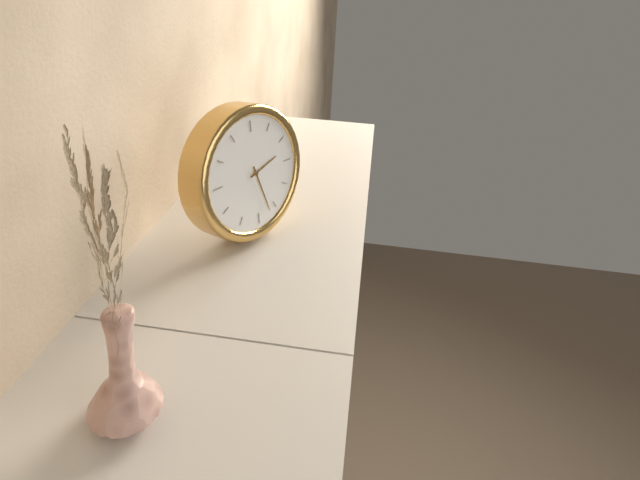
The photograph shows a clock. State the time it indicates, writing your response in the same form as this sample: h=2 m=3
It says h=2 m=27
